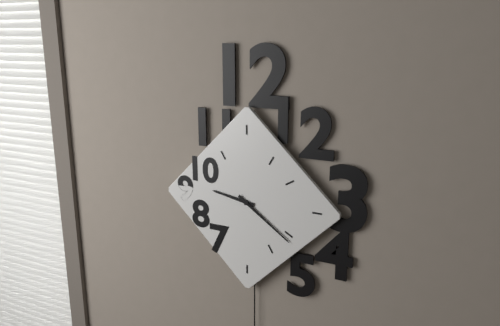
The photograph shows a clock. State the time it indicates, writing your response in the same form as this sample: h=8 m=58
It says h=9 m=21
